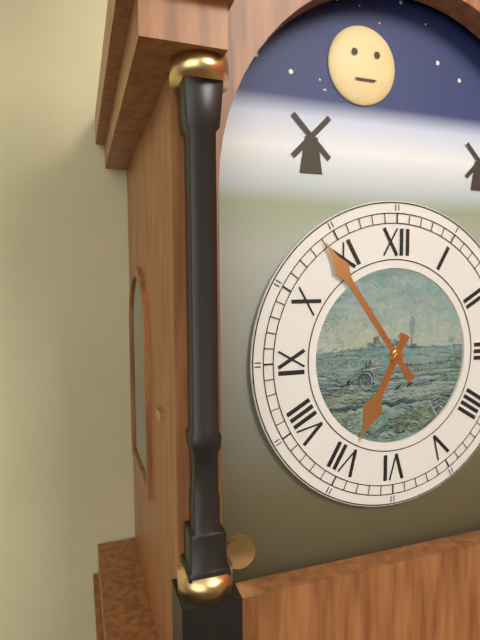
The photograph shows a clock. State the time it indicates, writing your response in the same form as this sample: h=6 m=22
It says h=6 m=54
